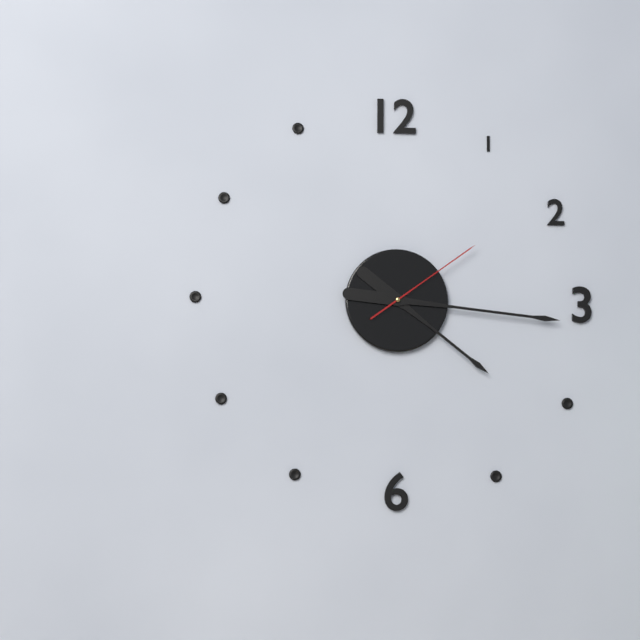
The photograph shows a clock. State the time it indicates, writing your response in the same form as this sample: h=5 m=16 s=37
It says h=4 m=16 s=9
